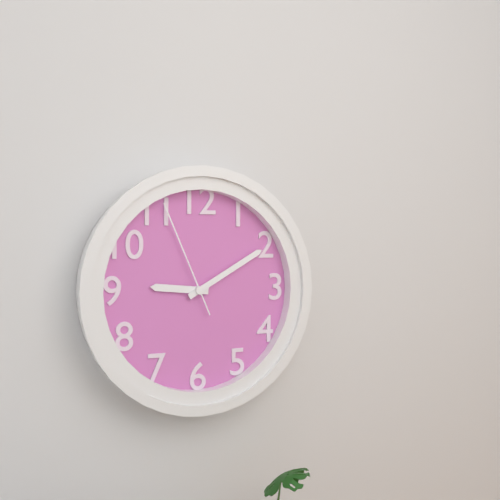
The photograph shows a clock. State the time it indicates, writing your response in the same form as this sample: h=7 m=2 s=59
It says h=9 m=10 s=56
